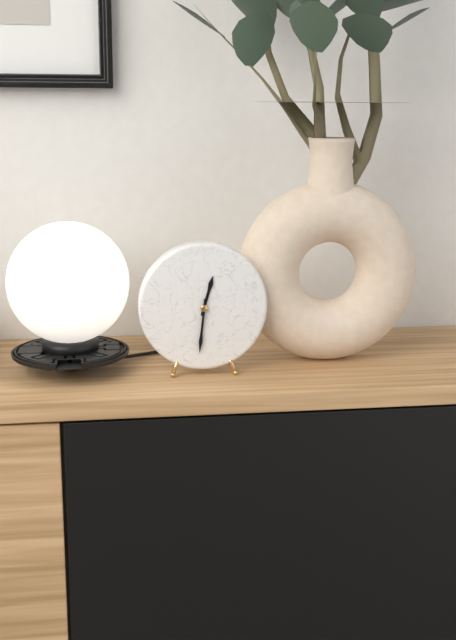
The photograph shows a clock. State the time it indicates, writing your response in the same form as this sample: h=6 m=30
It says h=12 m=31
